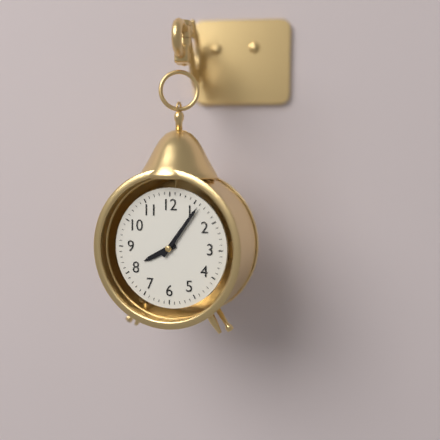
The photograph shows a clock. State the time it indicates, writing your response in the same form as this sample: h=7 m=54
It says h=8 m=6
